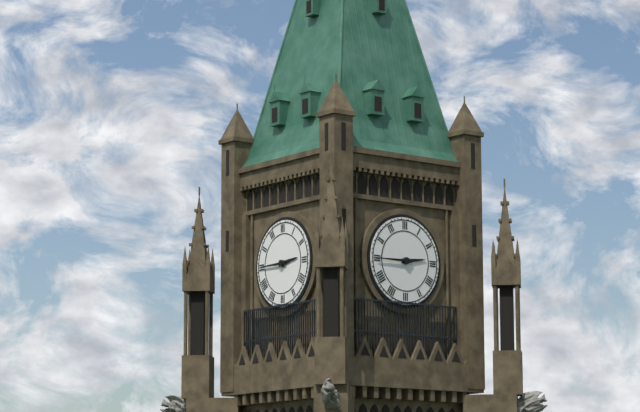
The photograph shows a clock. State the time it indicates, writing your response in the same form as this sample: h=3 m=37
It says h=2 m=45
